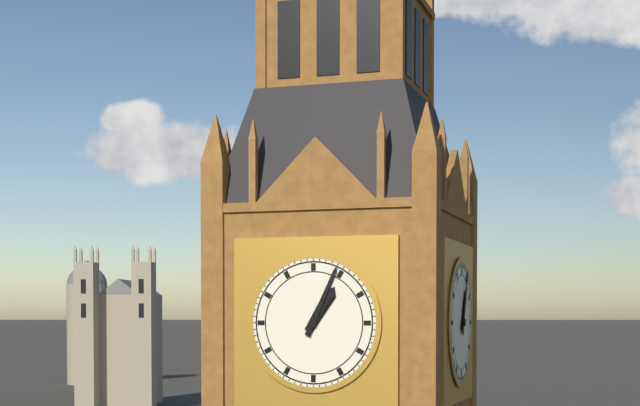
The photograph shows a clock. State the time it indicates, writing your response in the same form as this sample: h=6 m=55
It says h=1 m=4
